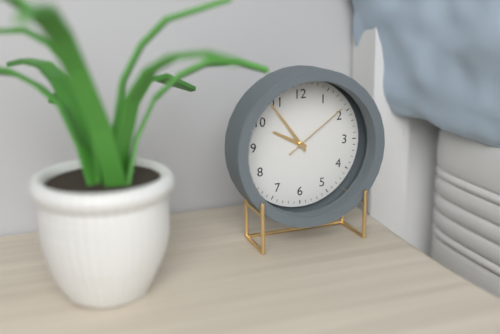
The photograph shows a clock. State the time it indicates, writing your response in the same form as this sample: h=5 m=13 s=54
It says h=9 m=54 s=9
